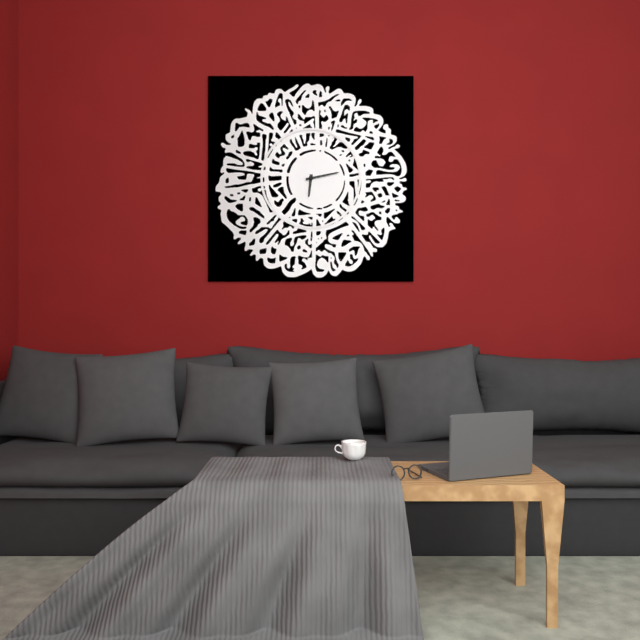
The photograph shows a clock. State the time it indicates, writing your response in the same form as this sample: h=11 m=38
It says h=6 m=13
